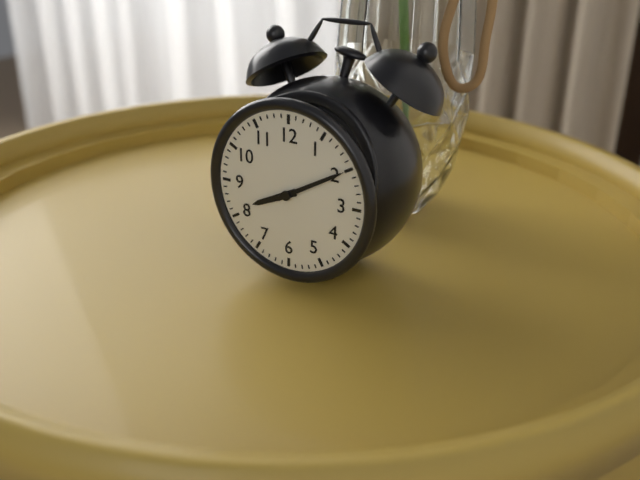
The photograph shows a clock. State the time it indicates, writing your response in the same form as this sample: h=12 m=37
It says h=8 m=10
